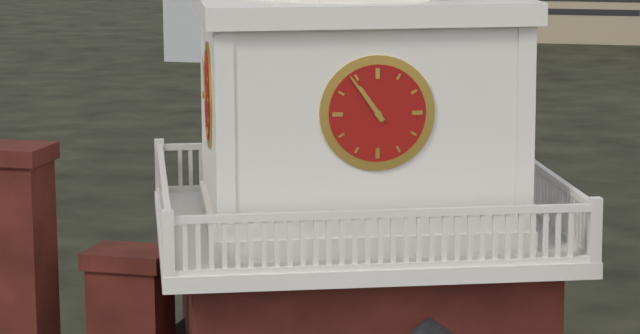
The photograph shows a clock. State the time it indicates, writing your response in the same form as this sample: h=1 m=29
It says h=10 m=54
